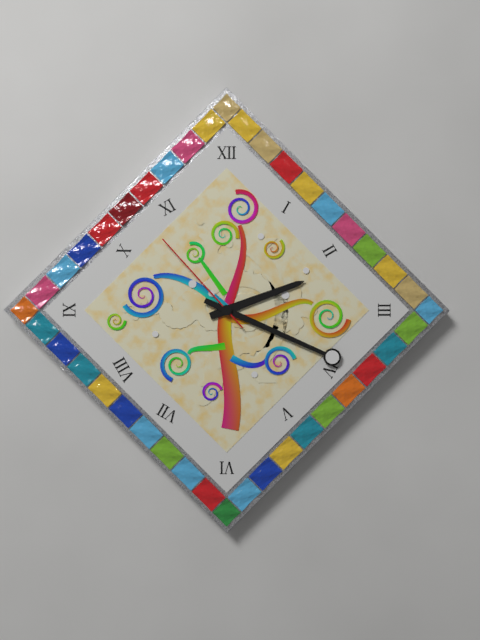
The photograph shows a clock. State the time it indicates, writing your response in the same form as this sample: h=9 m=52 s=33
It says h=2 m=19 s=53
